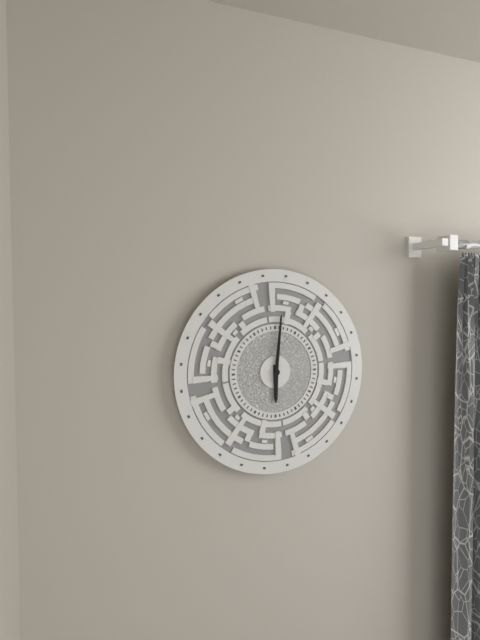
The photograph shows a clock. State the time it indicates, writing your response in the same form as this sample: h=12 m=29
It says h=6 m=1
